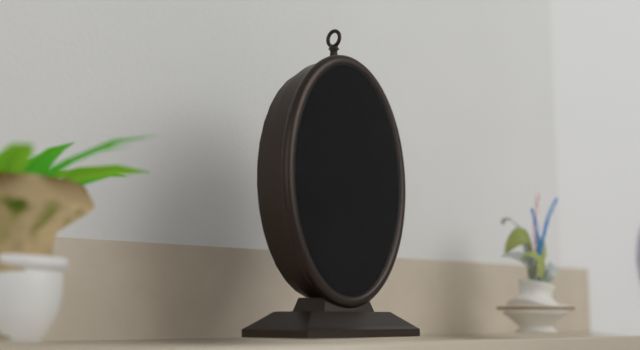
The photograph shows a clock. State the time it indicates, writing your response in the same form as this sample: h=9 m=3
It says h=12 m=13
